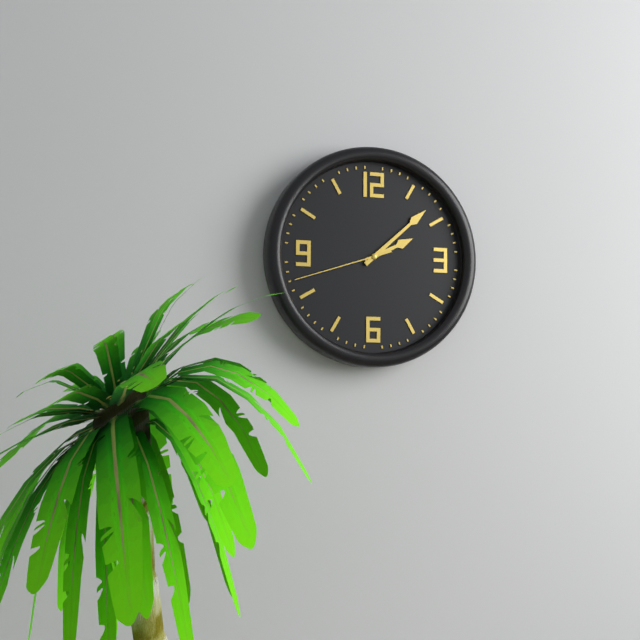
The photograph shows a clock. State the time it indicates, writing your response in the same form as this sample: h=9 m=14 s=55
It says h=2 m=8 s=42
